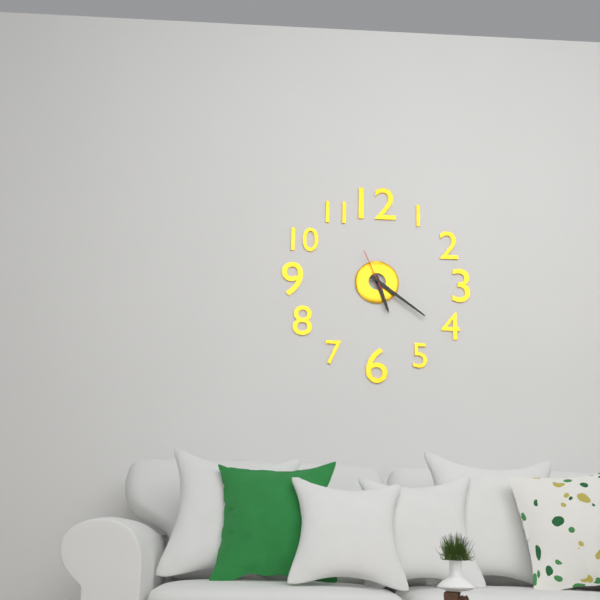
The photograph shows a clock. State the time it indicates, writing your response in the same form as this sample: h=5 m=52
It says h=5 m=21
